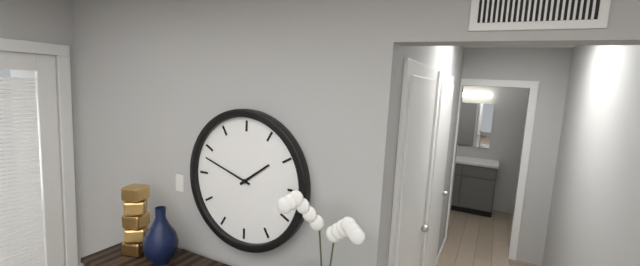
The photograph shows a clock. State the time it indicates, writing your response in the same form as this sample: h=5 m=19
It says h=1 m=48
